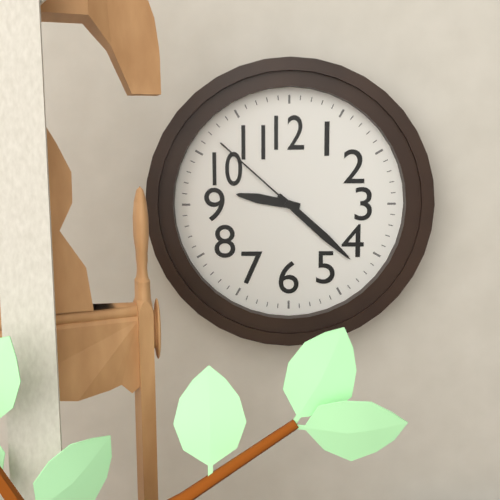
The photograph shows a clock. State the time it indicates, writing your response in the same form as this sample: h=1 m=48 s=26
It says h=9 m=22 s=52
